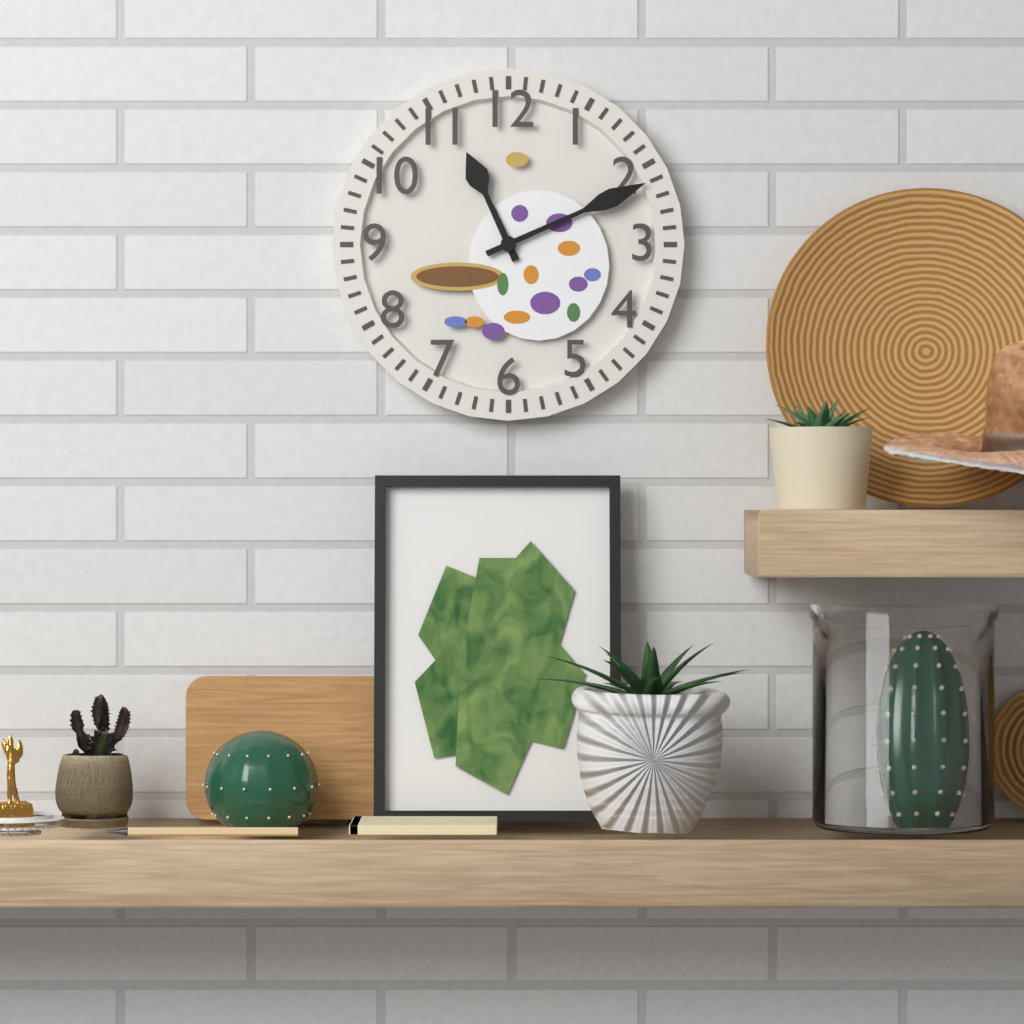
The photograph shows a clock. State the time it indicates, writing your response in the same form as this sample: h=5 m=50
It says h=11 m=11
